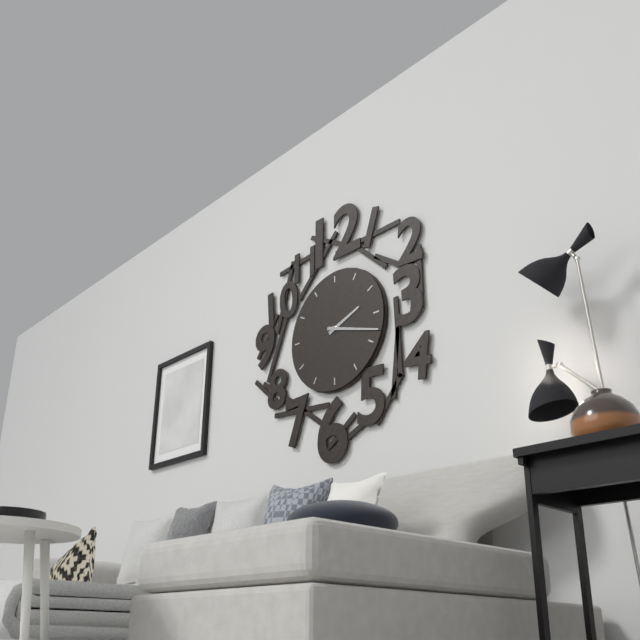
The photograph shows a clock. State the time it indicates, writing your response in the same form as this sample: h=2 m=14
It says h=2 m=18
